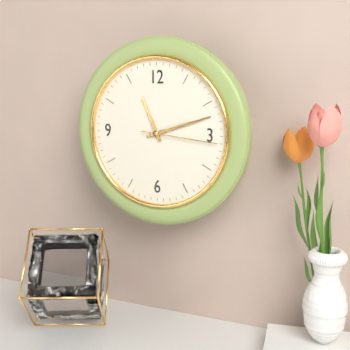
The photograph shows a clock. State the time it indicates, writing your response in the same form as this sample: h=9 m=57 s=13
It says h=11 m=12 s=16
